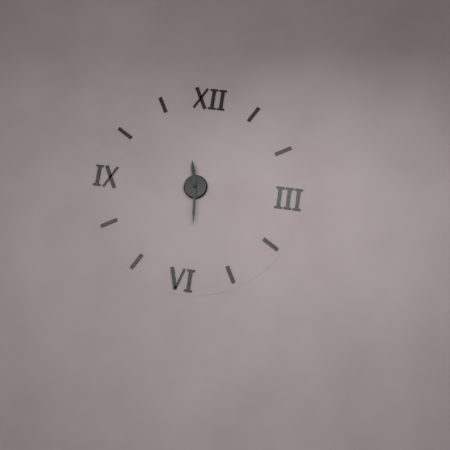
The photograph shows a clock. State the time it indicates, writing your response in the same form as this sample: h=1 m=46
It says h=11 m=29
